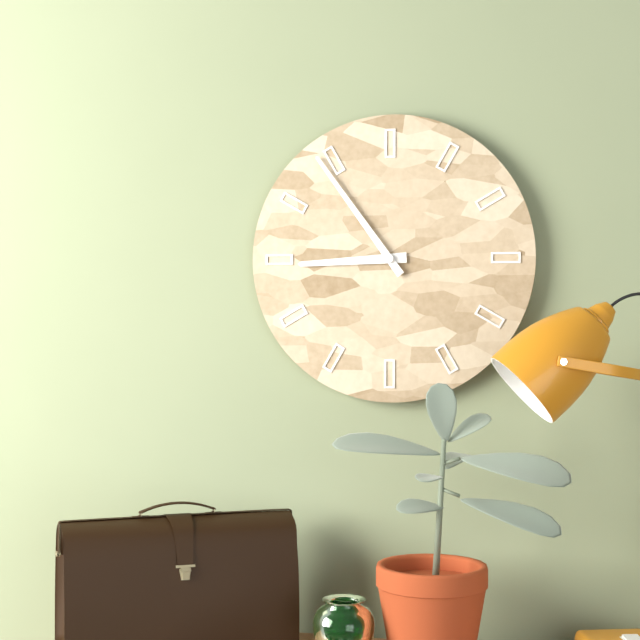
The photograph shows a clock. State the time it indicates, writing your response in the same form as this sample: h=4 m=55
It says h=8 m=54
